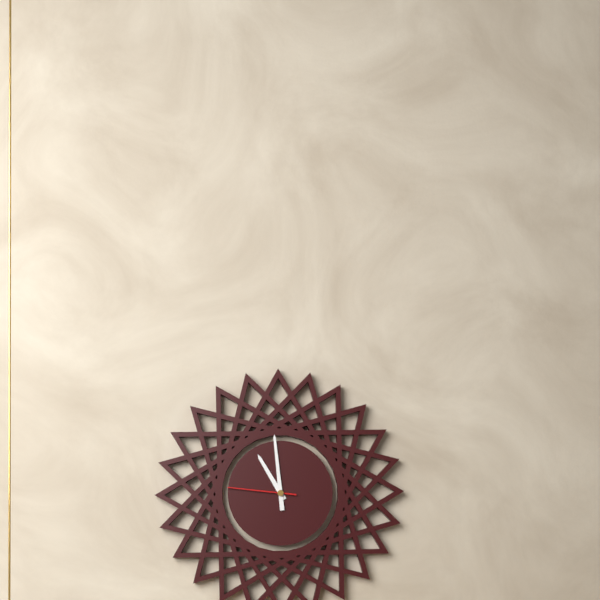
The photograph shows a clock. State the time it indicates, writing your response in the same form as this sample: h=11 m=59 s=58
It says h=10 m=59 s=46
